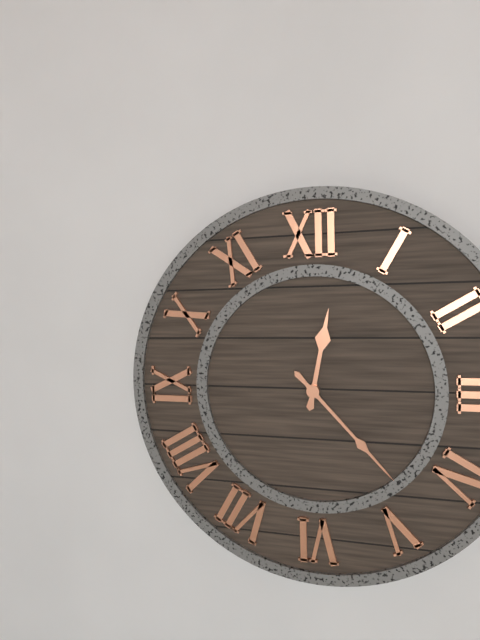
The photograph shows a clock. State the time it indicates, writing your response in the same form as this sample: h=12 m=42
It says h=12 m=23
